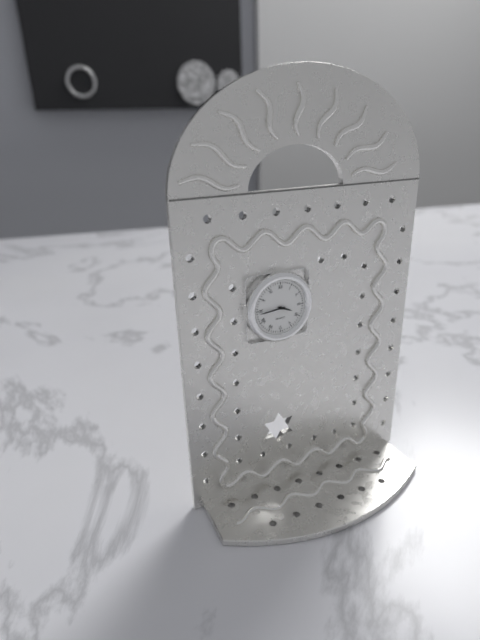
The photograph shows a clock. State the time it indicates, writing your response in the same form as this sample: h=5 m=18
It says h=3 m=44
